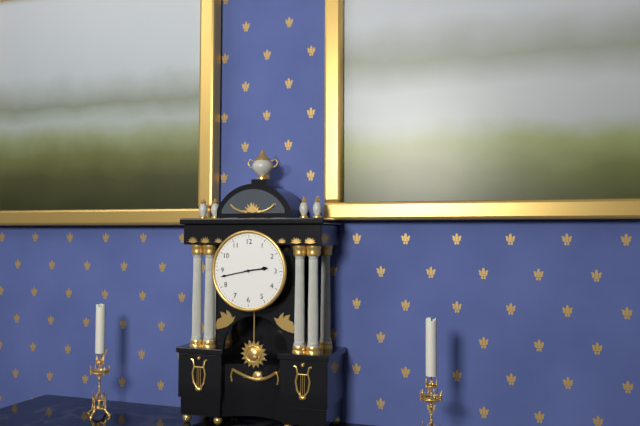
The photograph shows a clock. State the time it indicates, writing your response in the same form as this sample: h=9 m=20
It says h=2 m=43
